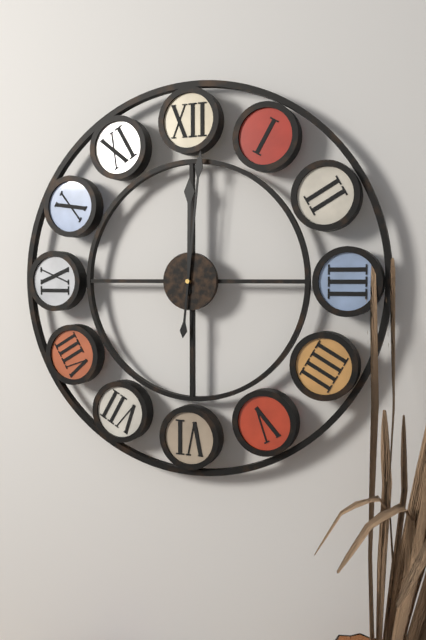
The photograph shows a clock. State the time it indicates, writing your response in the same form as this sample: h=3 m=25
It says h=12 m=1
